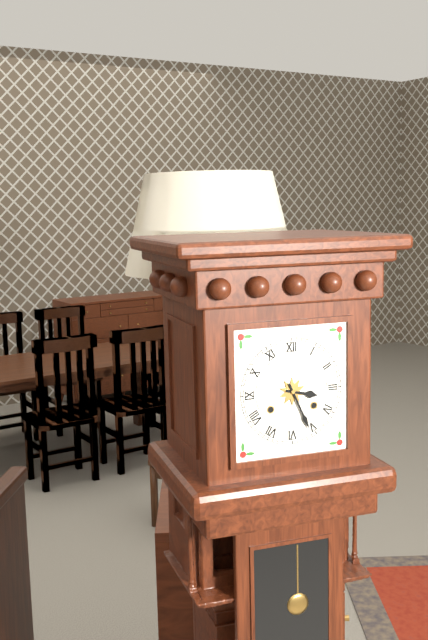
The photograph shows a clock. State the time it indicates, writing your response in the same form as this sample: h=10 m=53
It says h=3 m=26
